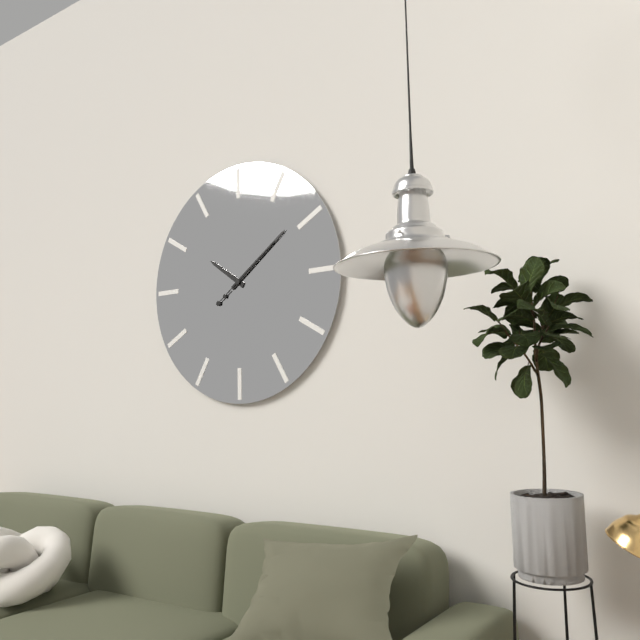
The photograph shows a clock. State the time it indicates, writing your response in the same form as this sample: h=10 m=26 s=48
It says h=10 m=9 s=9
